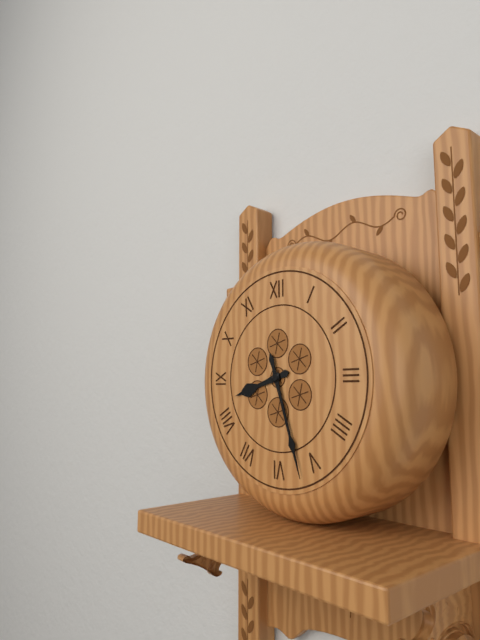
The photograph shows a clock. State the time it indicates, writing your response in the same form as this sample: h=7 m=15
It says h=8 m=27
